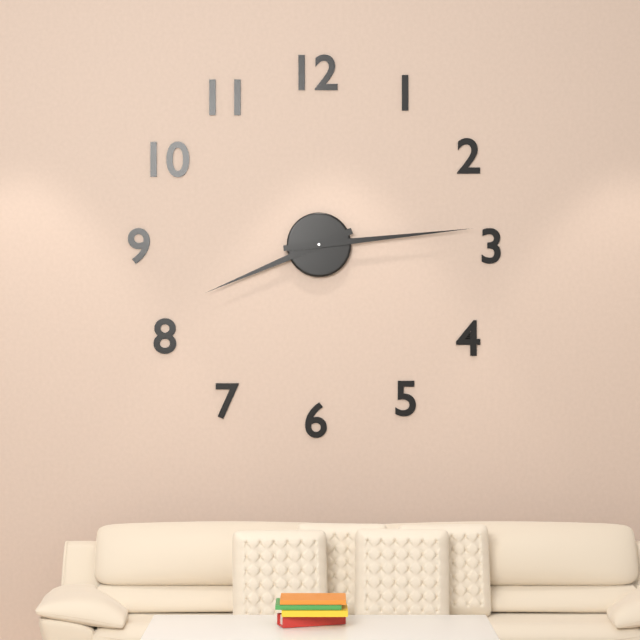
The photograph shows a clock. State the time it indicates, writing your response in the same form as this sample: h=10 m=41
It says h=8 m=14
